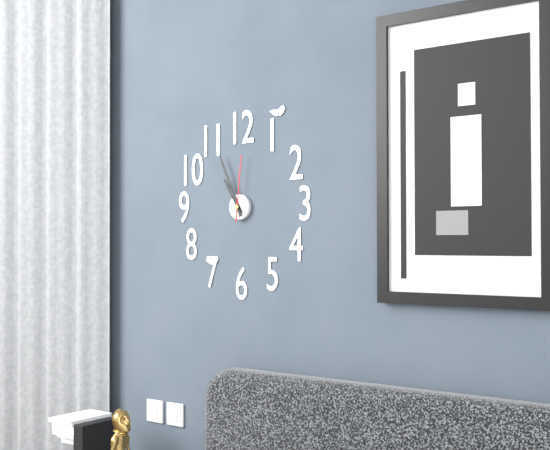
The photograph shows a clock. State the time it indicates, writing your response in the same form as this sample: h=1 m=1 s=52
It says h=10 m=56 s=1
